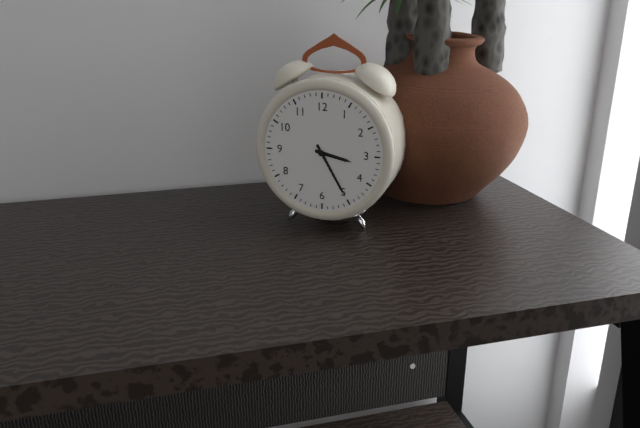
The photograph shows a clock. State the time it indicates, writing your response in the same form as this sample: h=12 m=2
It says h=3 m=25
